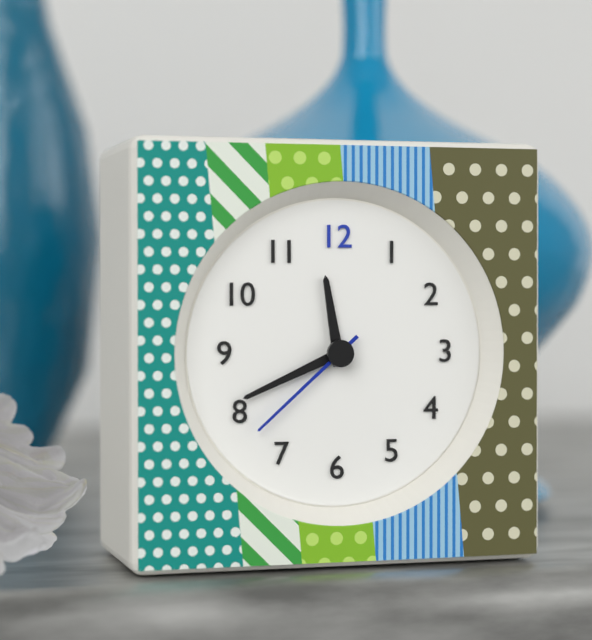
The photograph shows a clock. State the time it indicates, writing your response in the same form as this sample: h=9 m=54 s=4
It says h=11 m=41 s=38
